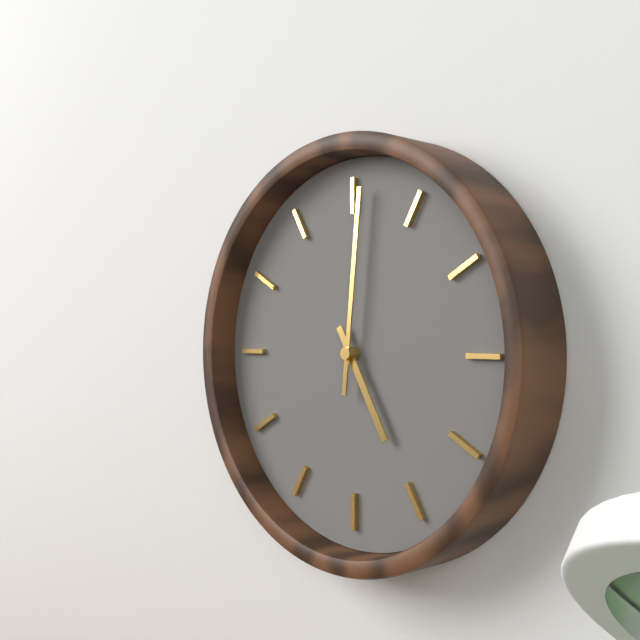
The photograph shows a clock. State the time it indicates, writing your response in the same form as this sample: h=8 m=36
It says h=5 m=1
